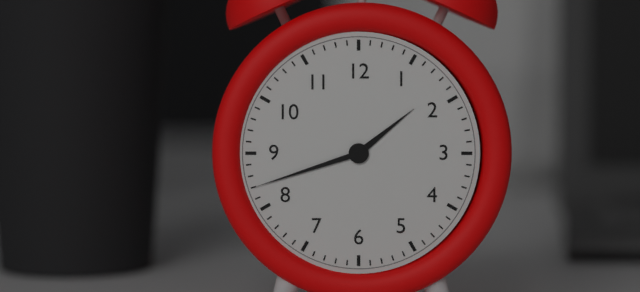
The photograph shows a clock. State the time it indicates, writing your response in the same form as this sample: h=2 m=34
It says h=1 m=42
